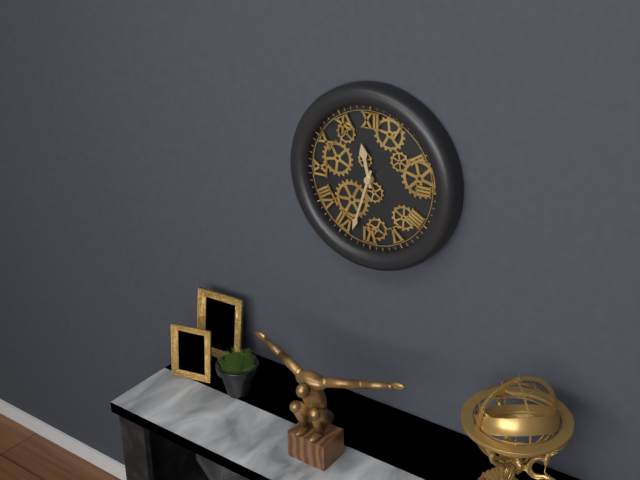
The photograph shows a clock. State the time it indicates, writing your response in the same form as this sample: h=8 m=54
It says h=11 m=33
